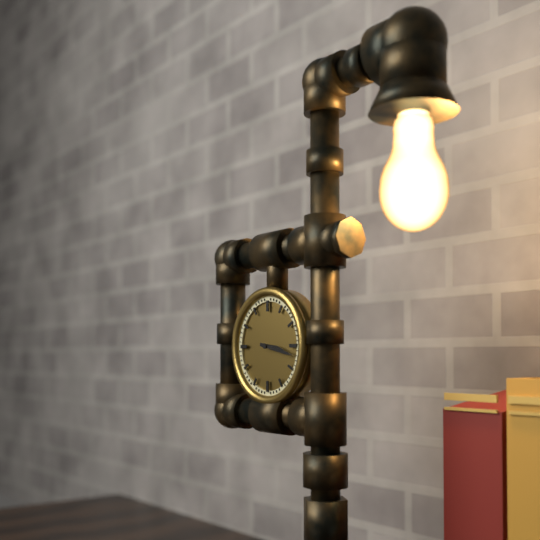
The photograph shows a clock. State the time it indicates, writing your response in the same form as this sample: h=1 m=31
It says h=3 m=17
